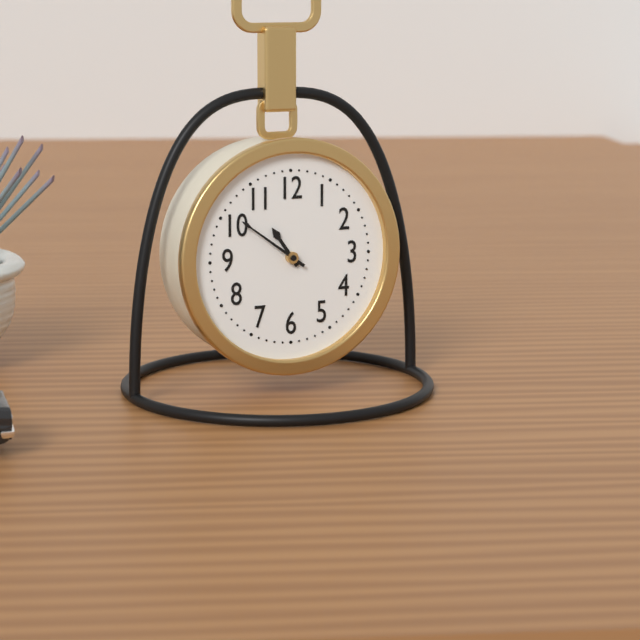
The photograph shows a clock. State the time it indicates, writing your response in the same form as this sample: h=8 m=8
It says h=10 m=51
